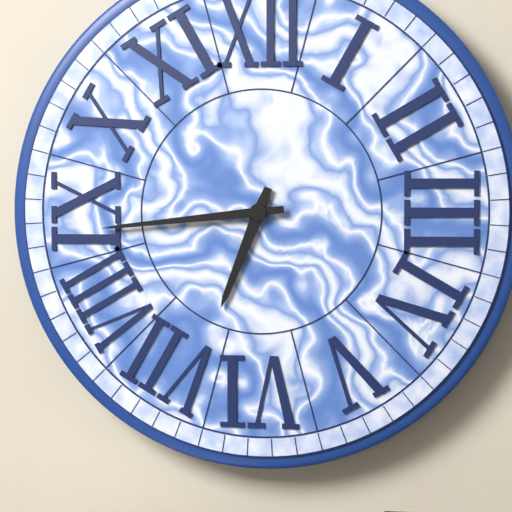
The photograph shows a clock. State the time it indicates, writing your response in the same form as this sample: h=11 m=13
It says h=6 m=44
